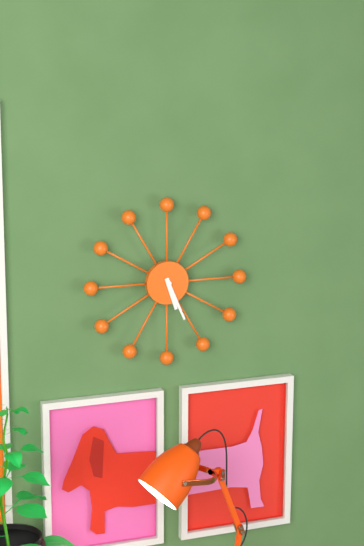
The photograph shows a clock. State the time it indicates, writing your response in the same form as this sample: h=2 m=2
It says h=5 m=26
